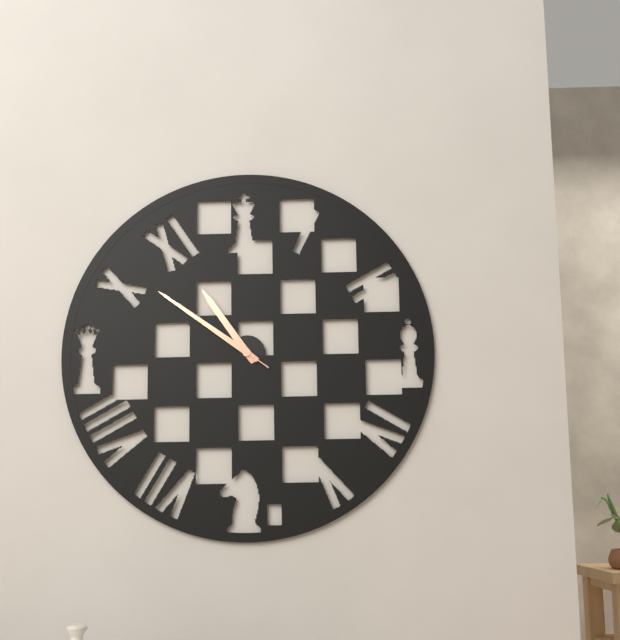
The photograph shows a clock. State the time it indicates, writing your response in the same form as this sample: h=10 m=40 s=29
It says h=10 m=51 s=51
